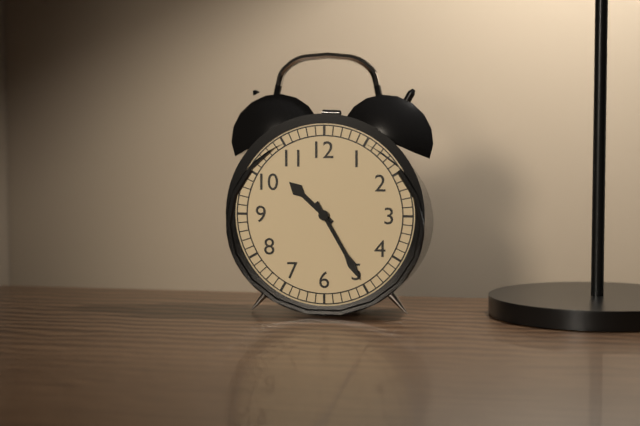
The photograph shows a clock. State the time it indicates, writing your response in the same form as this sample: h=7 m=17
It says h=10 m=25
